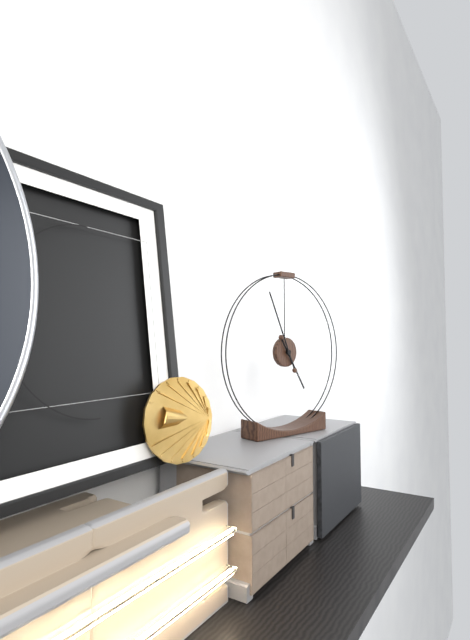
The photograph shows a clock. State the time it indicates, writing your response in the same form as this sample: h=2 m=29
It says h=4 m=56
